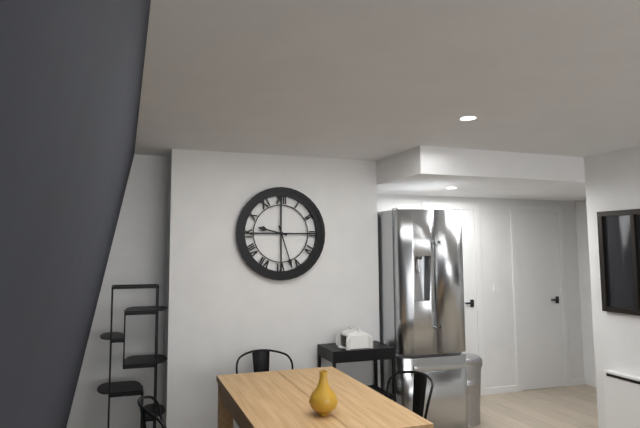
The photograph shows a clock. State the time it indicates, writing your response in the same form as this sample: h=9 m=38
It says h=9 m=27
